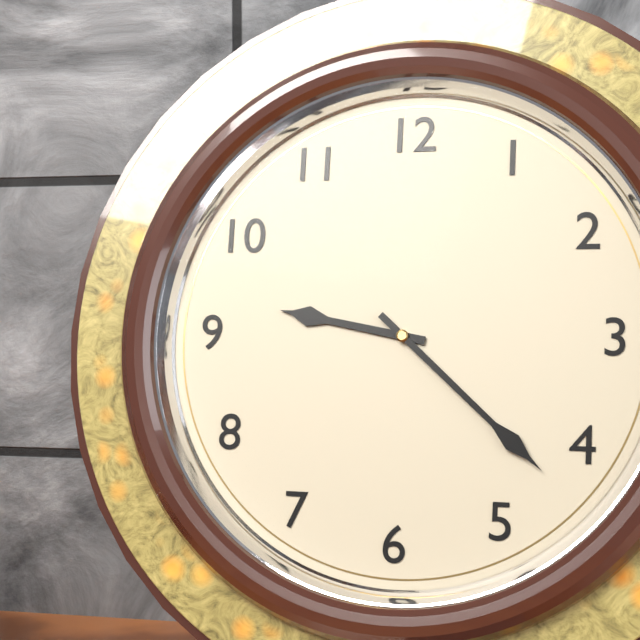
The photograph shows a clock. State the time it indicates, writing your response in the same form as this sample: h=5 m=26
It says h=9 m=22
